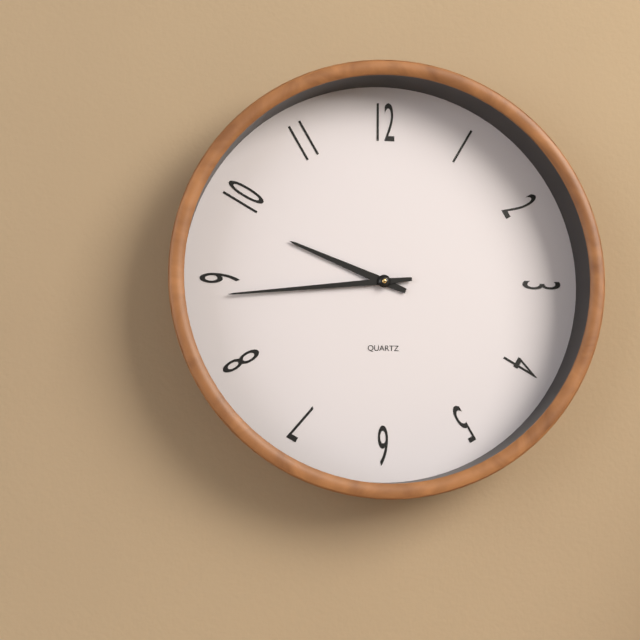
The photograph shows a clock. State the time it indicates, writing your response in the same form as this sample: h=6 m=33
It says h=9 m=44
